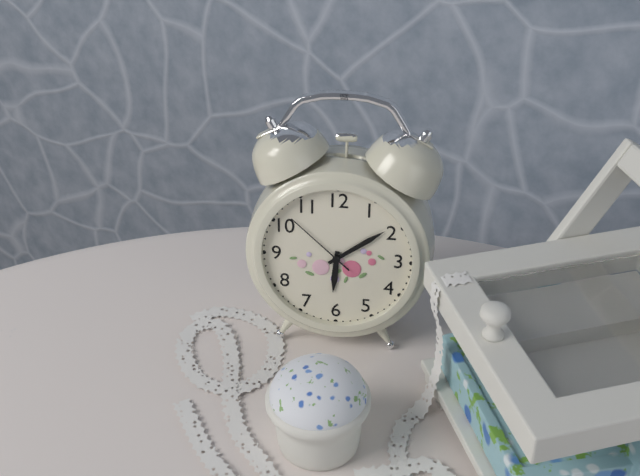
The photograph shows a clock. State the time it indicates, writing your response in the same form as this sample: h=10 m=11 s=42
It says h=6 m=9 s=52
